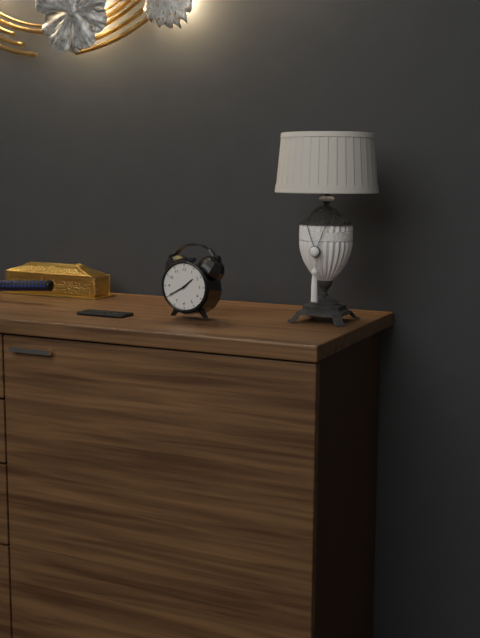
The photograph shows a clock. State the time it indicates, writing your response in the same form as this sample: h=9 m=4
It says h=1 m=40
